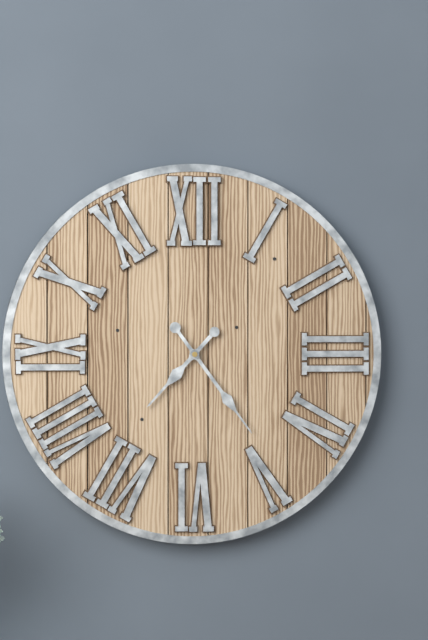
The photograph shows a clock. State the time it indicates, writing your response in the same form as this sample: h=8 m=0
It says h=7 m=24
